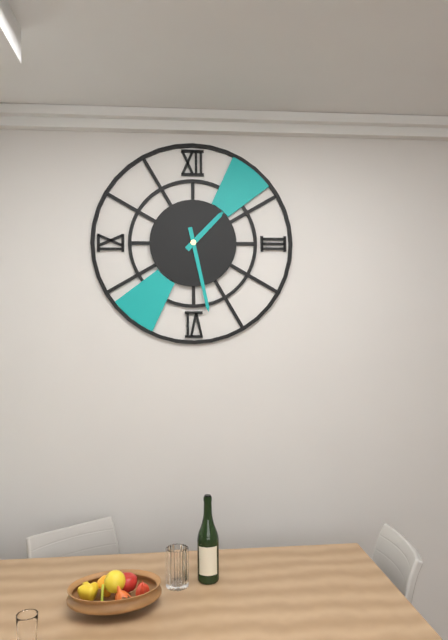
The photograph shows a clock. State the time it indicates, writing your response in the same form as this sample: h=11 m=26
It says h=1 m=28
